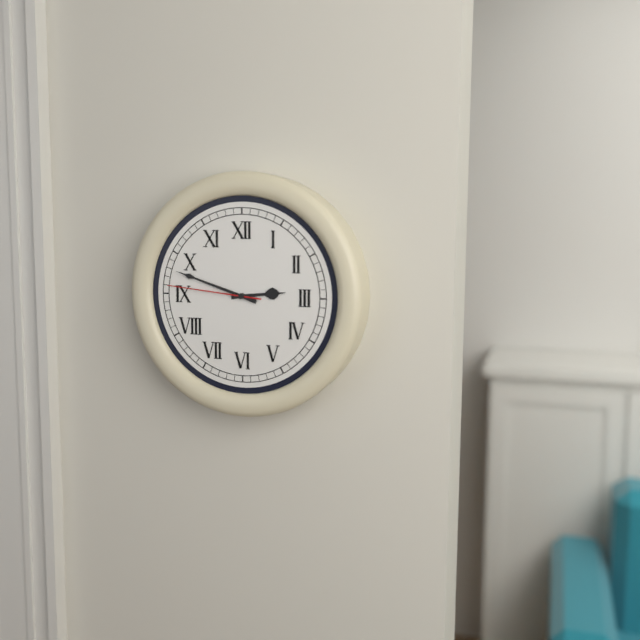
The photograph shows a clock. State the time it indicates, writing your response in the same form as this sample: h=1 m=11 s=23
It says h=2 m=48 s=46
